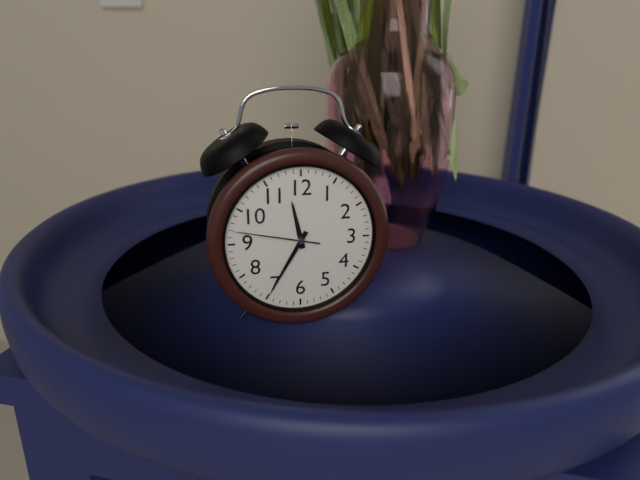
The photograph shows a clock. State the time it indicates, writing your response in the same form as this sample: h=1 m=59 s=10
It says h=11 m=35 s=47
